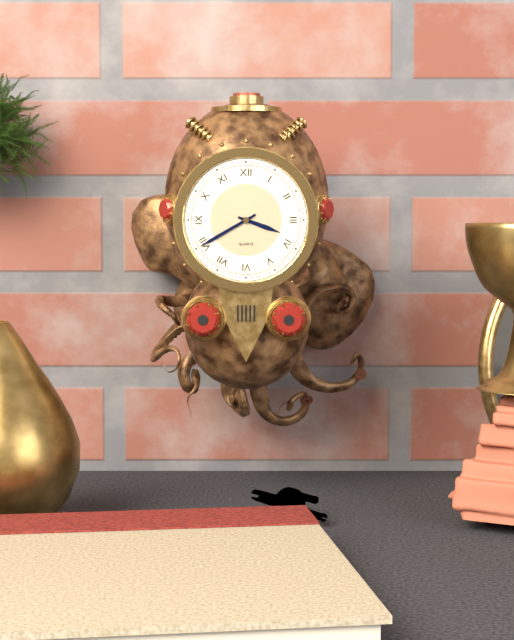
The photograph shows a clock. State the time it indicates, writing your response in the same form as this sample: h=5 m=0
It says h=3 m=40
